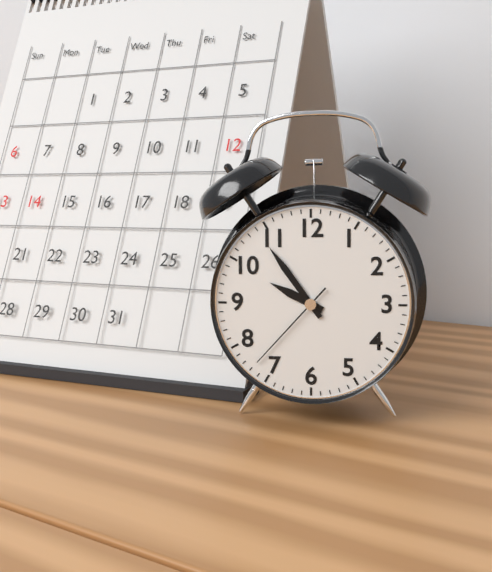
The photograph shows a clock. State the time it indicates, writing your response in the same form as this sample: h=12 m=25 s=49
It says h=9 m=54 s=37
